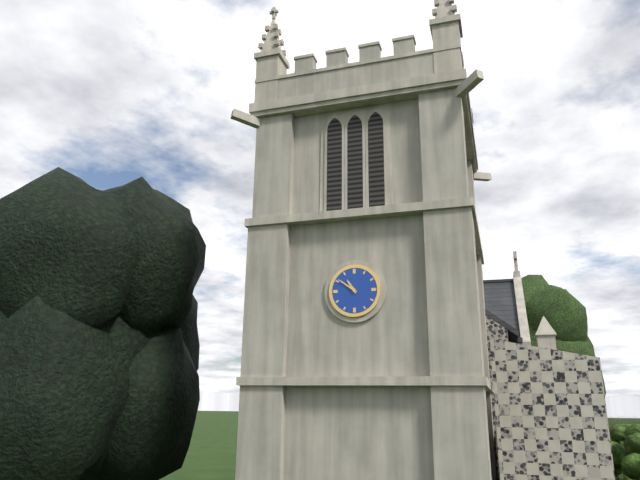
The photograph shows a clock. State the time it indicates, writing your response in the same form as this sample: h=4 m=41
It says h=10 m=51
